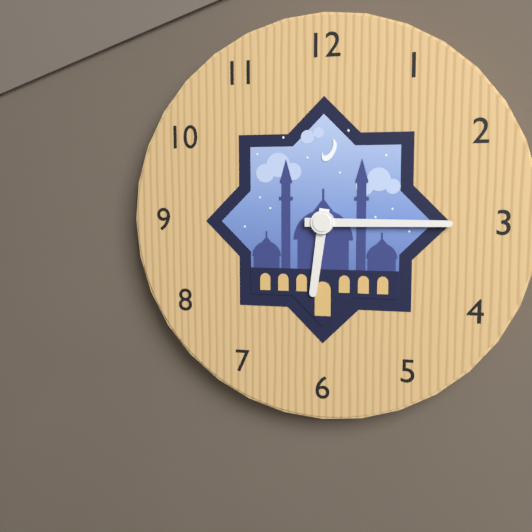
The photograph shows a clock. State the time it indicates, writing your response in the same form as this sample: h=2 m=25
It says h=6 m=15
